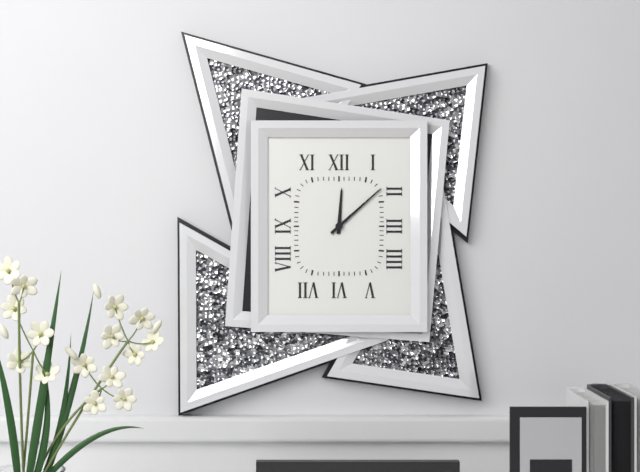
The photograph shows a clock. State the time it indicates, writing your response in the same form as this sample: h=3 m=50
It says h=12 m=8
